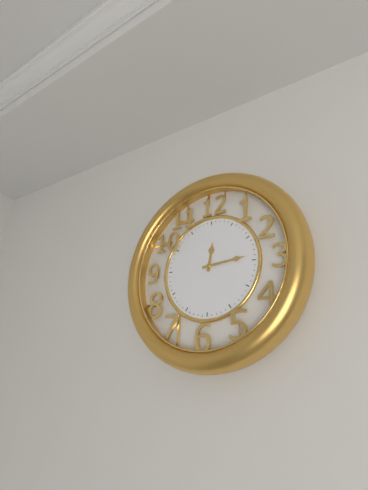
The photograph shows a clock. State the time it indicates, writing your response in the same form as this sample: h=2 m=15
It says h=12 m=14
